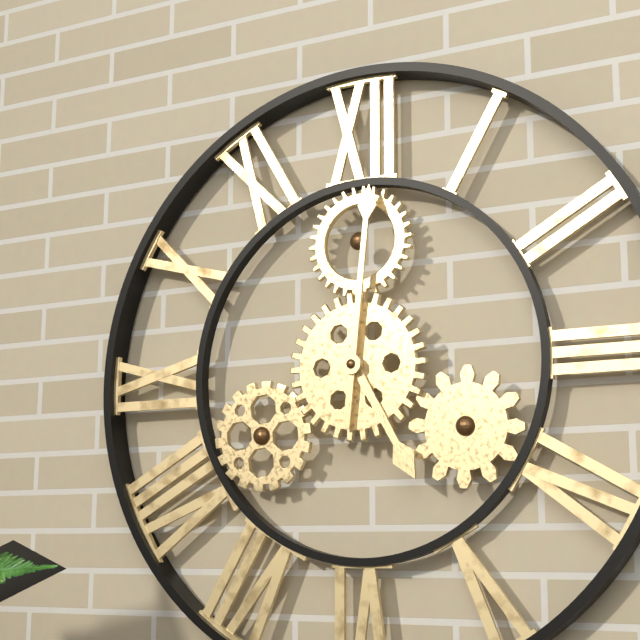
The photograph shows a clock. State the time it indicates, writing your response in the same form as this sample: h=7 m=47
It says h=5 m=1
